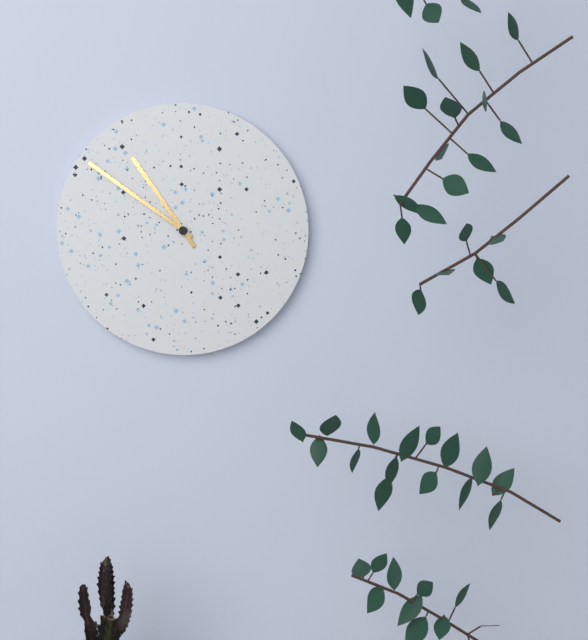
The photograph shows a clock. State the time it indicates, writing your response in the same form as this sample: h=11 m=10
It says h=10 m=51
